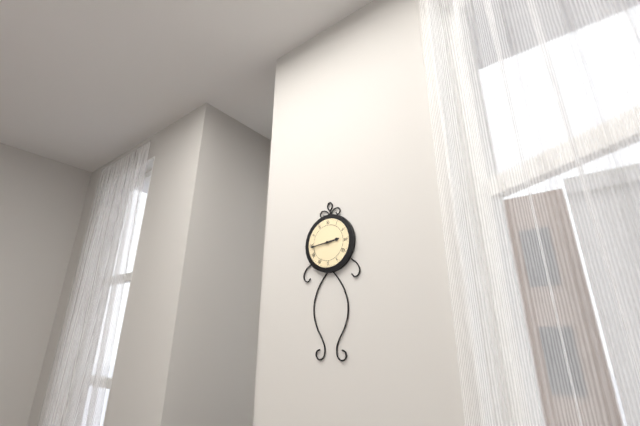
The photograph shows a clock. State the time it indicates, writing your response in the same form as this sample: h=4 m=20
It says h=2 m=44
